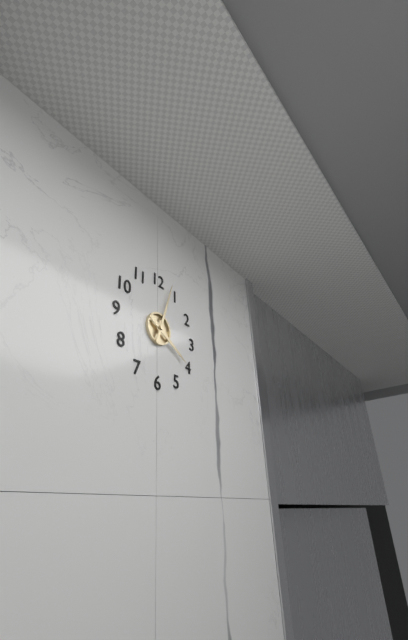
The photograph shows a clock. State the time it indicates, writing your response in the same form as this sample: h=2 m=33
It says h=4 m=3
